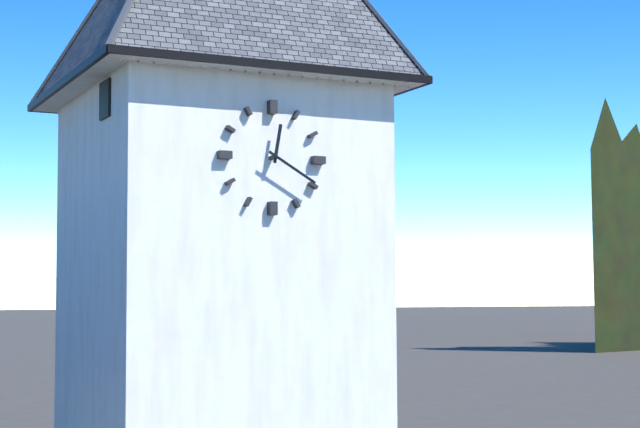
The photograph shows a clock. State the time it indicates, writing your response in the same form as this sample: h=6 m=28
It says h=12 m=20
